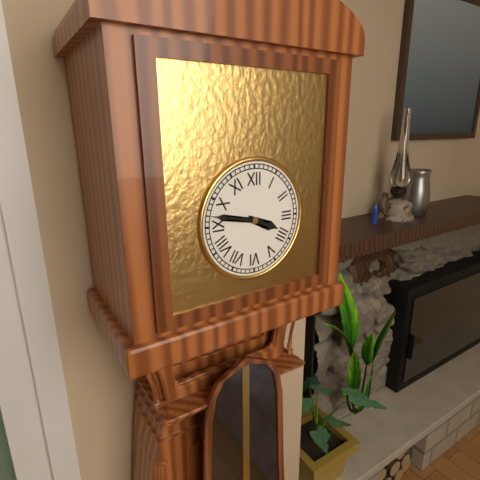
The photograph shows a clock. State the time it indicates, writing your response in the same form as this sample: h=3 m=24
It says h=3 m=47
